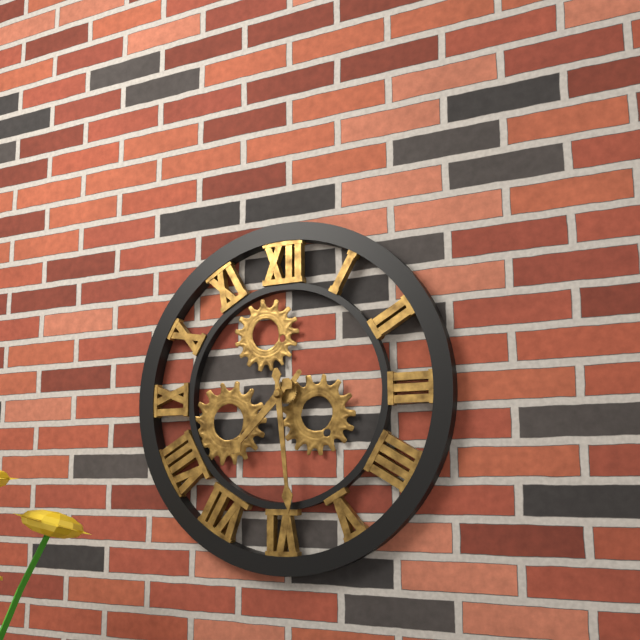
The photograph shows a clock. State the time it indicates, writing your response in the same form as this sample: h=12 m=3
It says h=7 m=29
